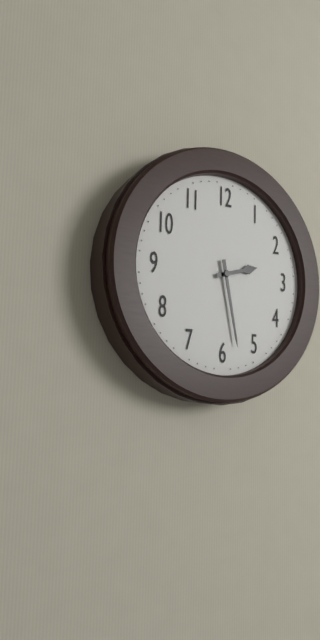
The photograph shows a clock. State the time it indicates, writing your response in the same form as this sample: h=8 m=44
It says h=2 m=28
